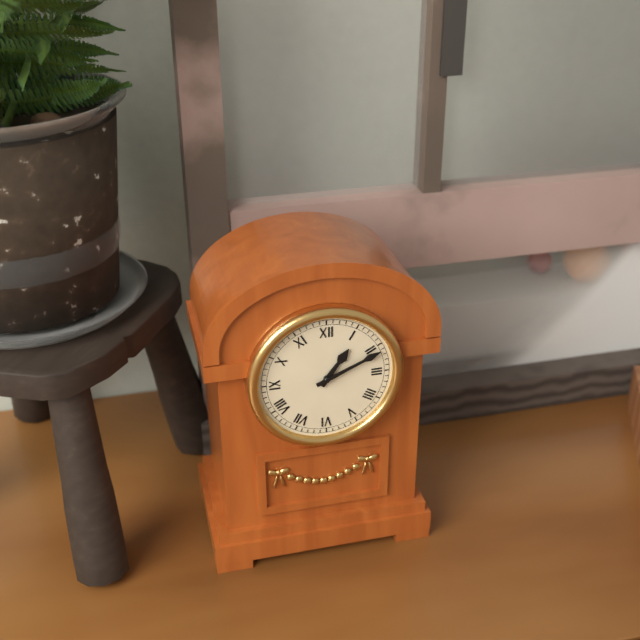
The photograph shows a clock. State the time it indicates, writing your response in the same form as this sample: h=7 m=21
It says h=1 m=11
